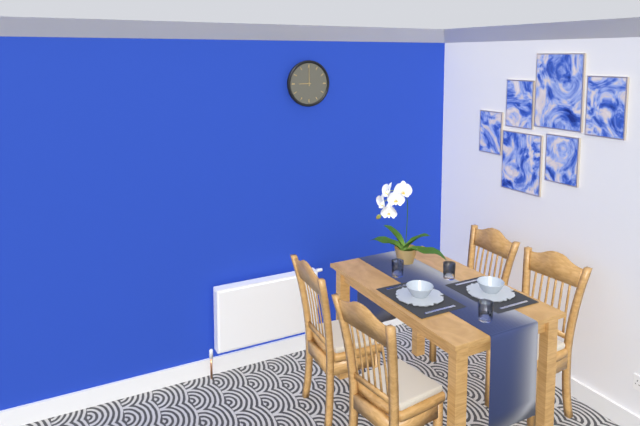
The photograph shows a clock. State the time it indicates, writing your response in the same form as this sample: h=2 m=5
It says h=9 m=0
